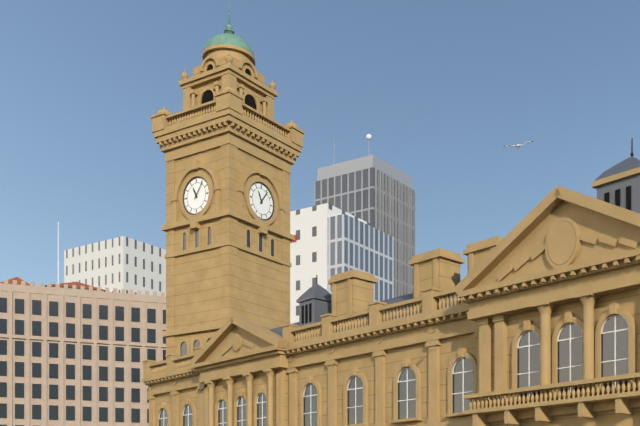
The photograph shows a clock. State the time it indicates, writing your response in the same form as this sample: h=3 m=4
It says h=11 m=6
